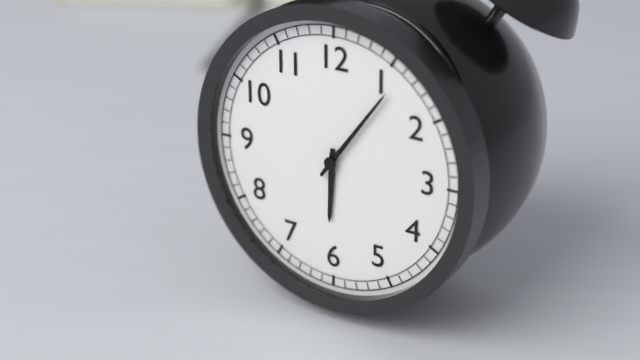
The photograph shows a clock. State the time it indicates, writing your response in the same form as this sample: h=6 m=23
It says h=6 m=6
